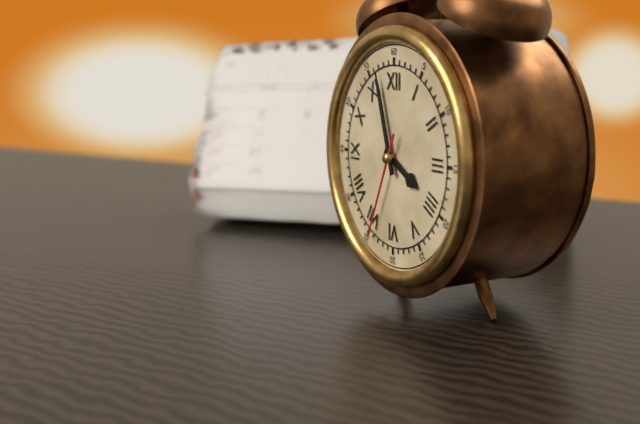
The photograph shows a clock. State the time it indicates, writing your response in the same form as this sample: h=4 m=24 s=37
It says h=3 m=57 s=34
